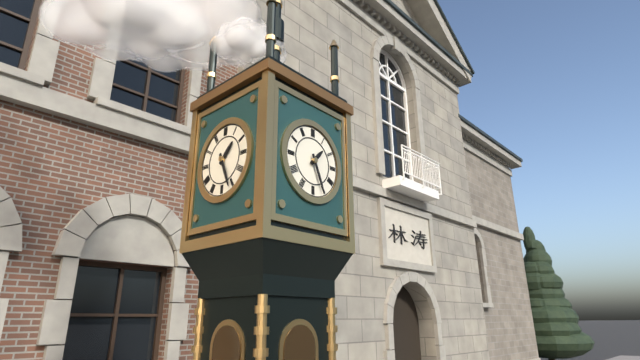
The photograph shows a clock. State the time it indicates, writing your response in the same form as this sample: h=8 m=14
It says h=1 m=26
